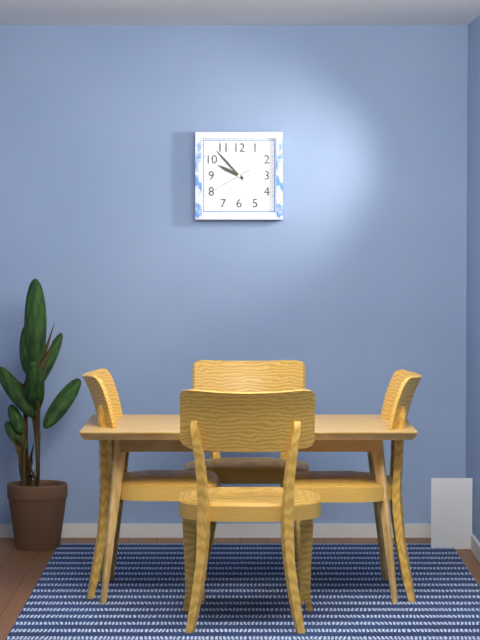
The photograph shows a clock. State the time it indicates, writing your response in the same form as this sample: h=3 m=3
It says h=9 m=53
